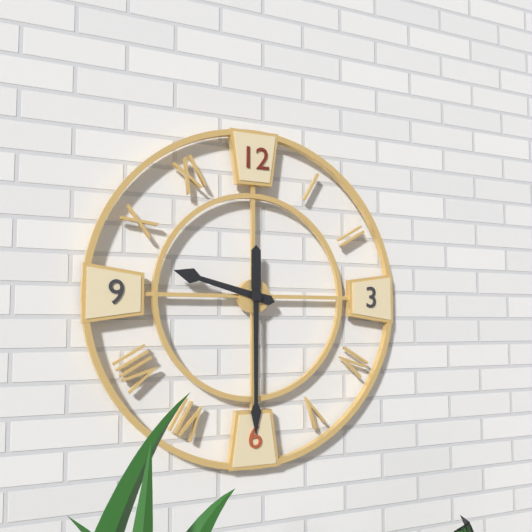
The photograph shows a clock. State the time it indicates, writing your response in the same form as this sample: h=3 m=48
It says h=9 m=30
